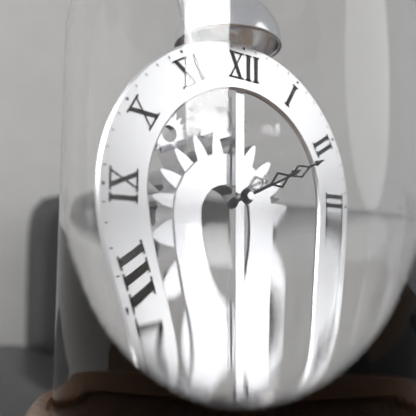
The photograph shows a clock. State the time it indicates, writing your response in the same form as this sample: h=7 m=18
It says h=2 m=11
